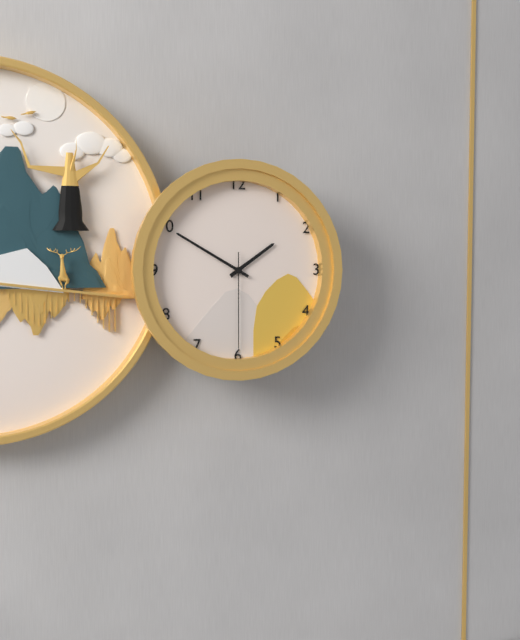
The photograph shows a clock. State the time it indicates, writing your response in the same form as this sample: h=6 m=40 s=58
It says h=1 m=50 s=30
